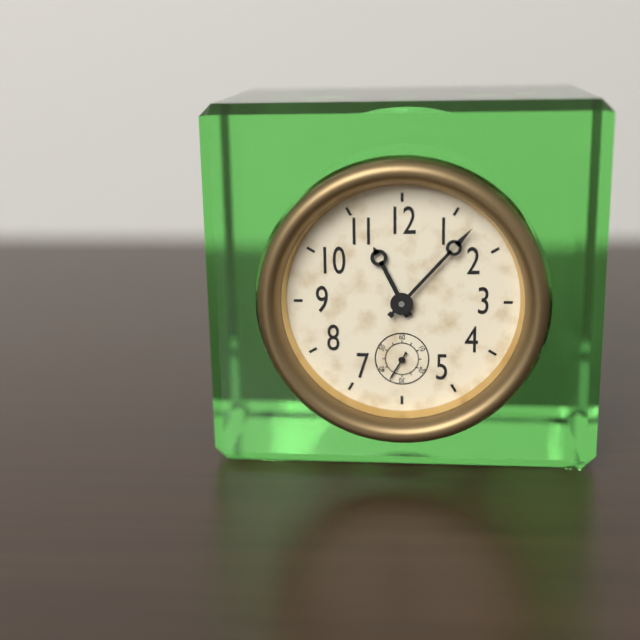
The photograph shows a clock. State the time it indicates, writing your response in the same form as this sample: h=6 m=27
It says h=11 m=7
